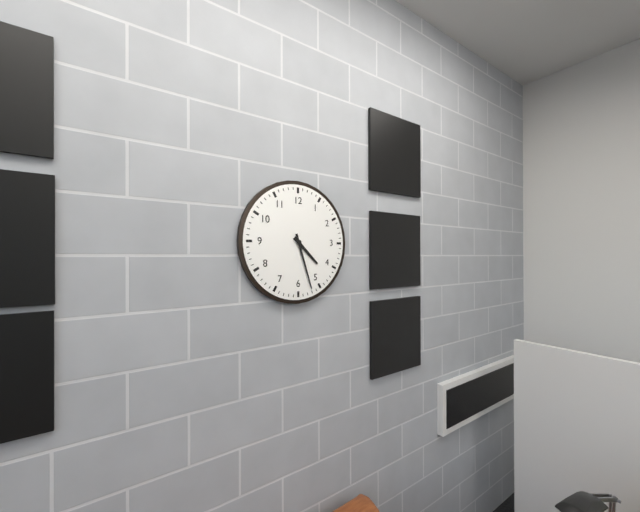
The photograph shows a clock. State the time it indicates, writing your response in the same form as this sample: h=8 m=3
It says h=4 m=27
